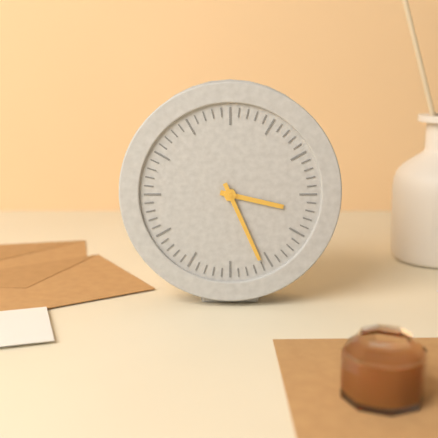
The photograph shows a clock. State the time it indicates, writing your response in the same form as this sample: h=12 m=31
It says h=3 m=26
